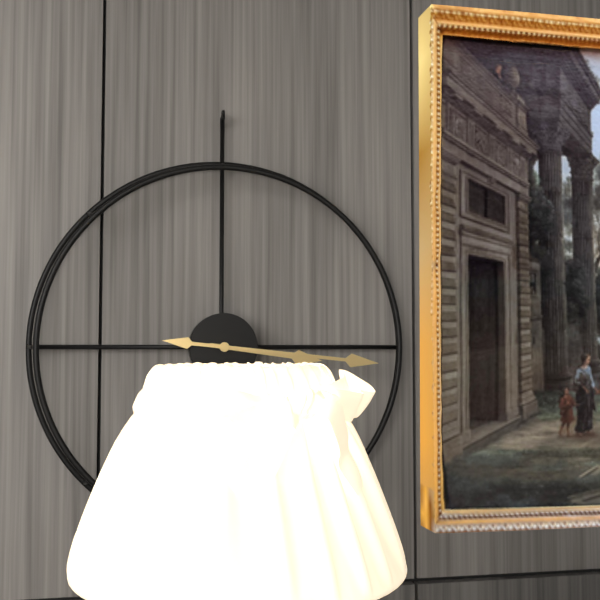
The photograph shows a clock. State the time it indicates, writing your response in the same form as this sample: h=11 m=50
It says h=3 m=16
